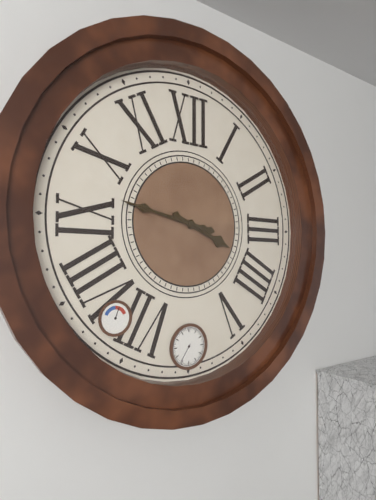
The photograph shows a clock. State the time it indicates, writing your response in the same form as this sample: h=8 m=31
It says h=3 m=47
